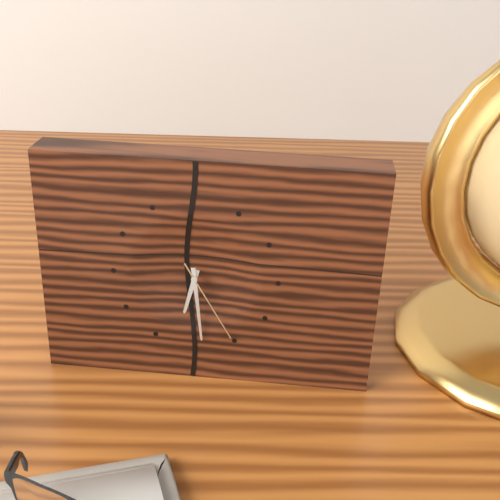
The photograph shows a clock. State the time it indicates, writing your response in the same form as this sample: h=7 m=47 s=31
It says h=6 m=29 s=25
